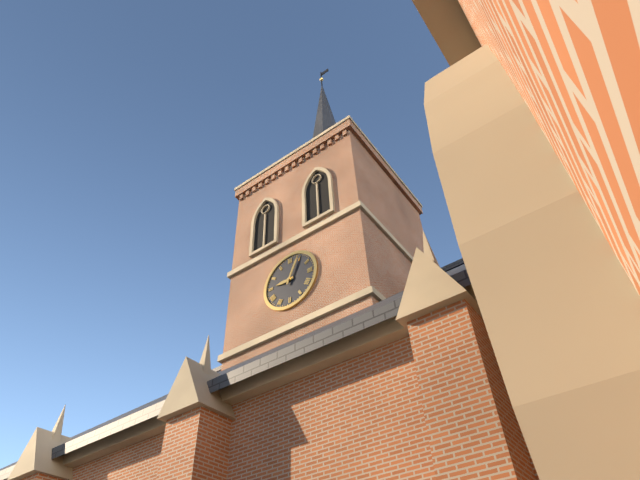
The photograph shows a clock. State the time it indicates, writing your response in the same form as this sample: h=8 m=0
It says h=9 m=4
